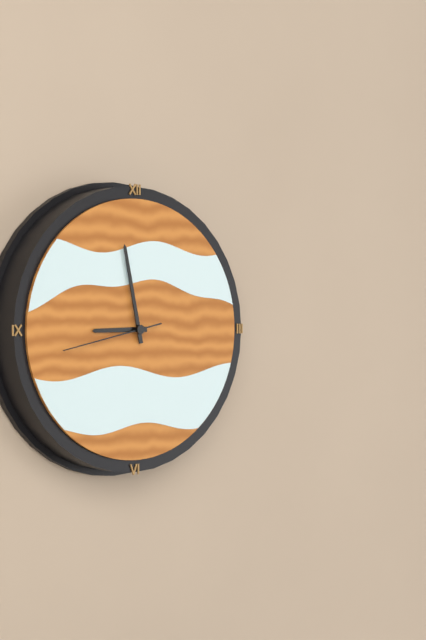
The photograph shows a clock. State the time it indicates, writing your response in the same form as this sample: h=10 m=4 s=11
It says h=8 m=58 s=43
